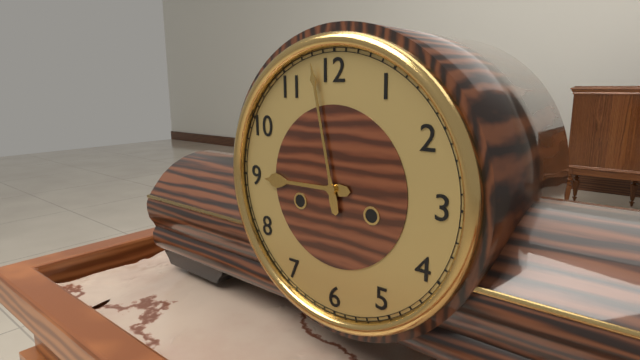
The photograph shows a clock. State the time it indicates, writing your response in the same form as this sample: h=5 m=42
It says h=8 m=58
